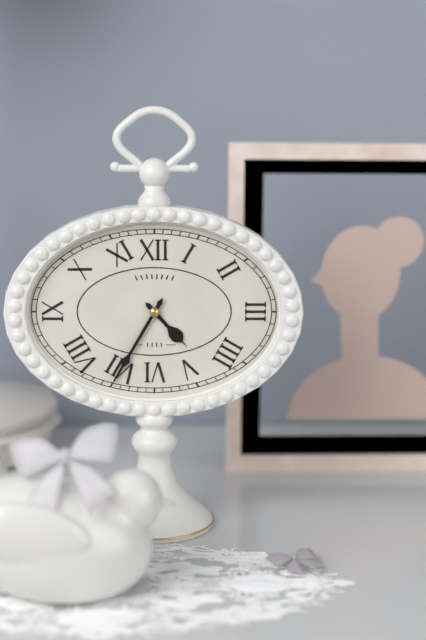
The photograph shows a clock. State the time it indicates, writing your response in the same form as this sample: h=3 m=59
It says h=4 m=35
